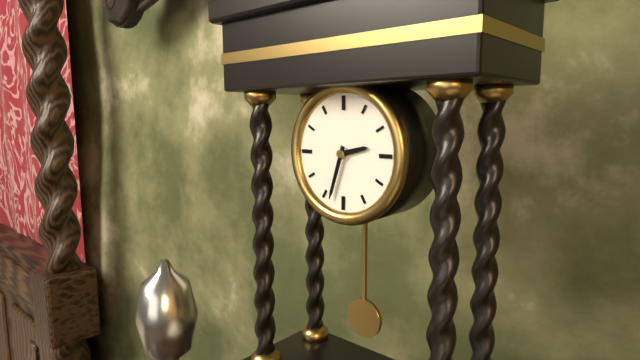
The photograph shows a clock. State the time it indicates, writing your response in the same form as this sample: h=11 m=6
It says h=2 m=33
